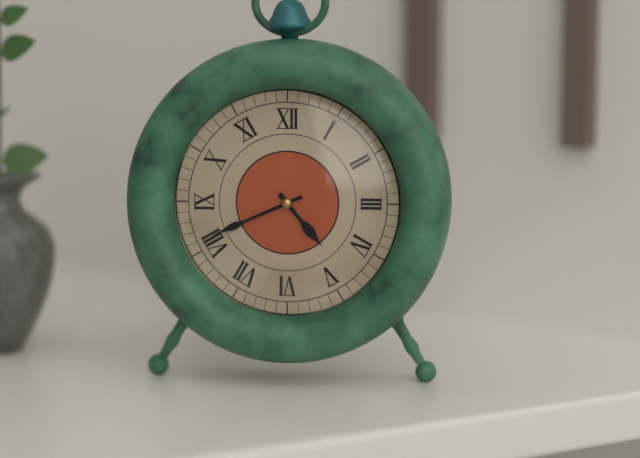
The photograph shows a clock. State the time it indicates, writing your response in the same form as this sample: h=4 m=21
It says h=4 m=41
